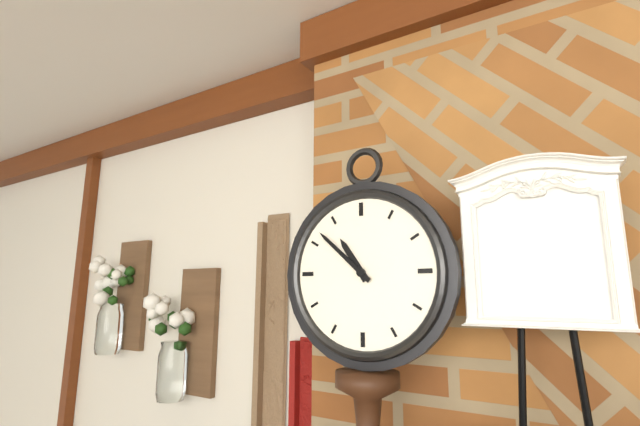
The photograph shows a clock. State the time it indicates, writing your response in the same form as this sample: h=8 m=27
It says h=10 m=52
